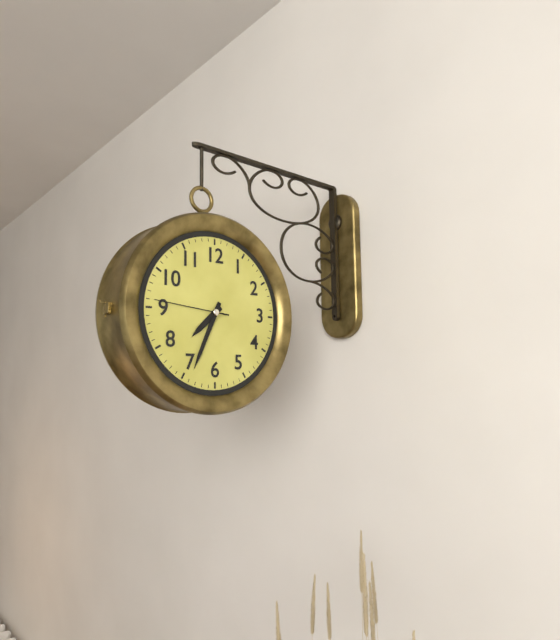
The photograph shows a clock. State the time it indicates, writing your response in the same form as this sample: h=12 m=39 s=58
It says h=7 m=34 s=46
